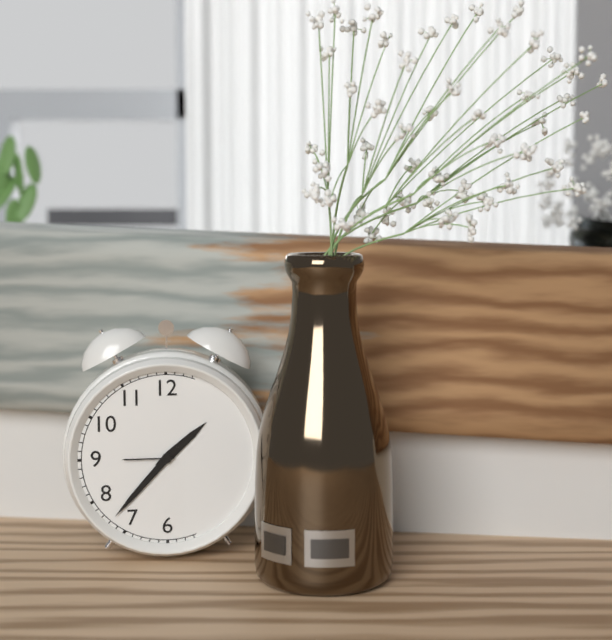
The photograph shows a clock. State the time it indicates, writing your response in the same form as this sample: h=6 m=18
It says h=1 m=37
